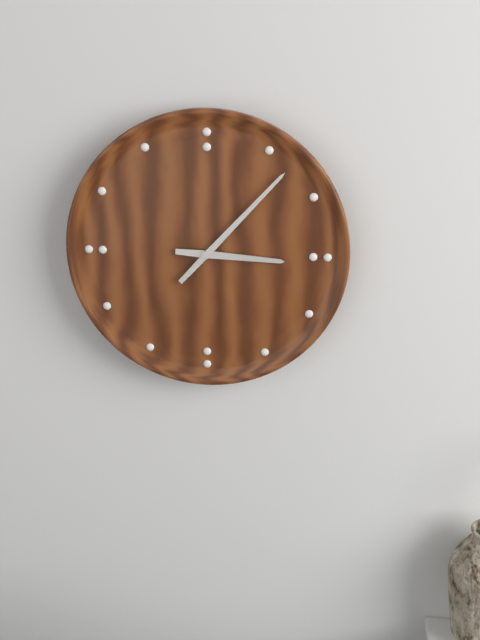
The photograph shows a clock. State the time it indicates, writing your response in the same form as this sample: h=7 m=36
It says h=3 m=7
